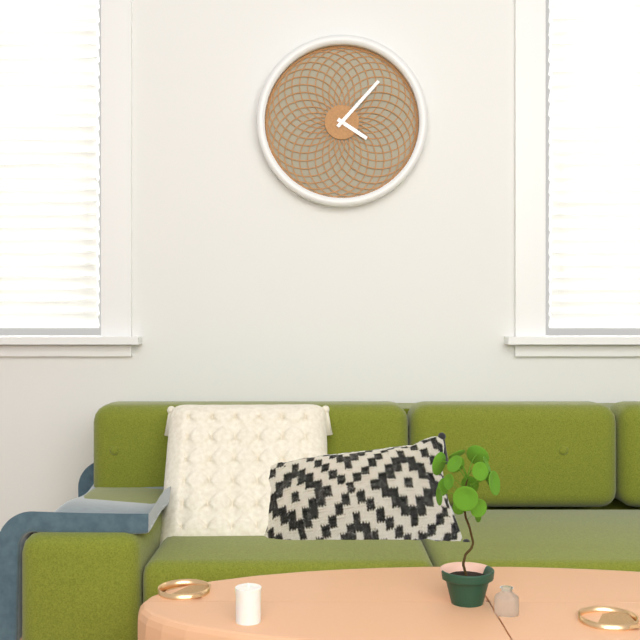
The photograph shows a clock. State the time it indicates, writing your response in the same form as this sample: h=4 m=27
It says h=4 m=7
